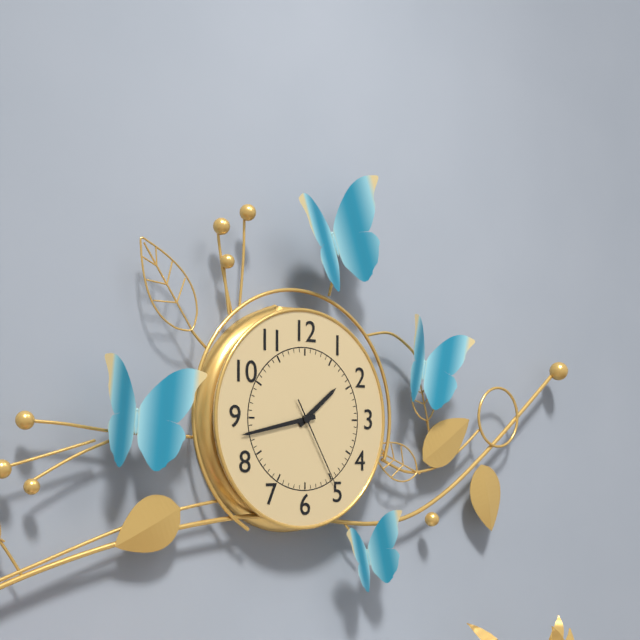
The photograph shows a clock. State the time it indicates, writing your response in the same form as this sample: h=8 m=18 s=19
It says h=1 m=43 s=25
